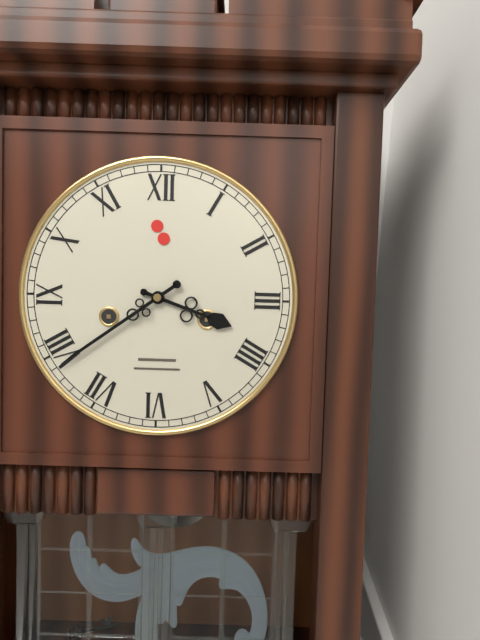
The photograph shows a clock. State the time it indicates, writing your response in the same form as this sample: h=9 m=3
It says h=3 m=39
